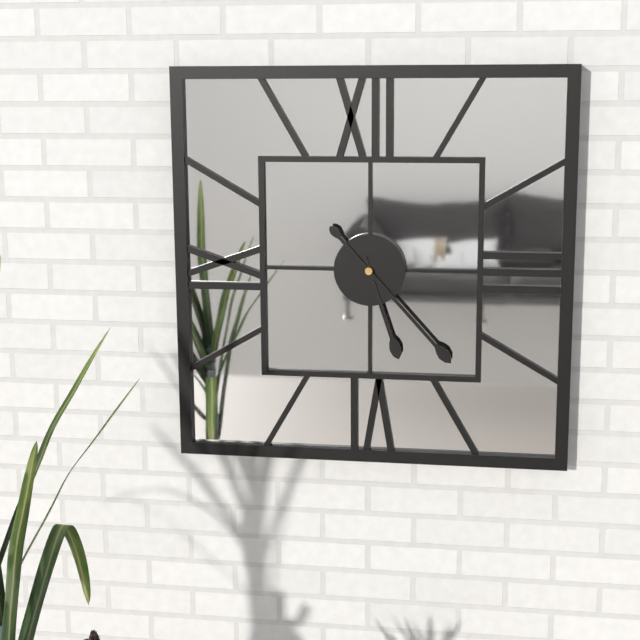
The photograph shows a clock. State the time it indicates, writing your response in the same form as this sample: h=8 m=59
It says h=5 m=23
